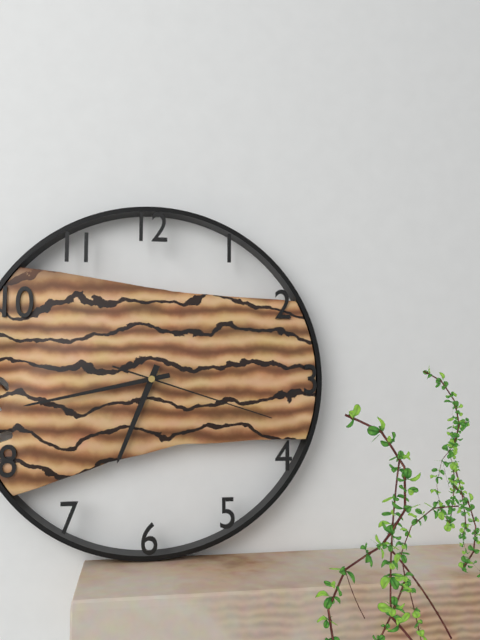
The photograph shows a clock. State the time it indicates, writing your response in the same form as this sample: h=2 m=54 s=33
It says h=6 m=43 s=18
